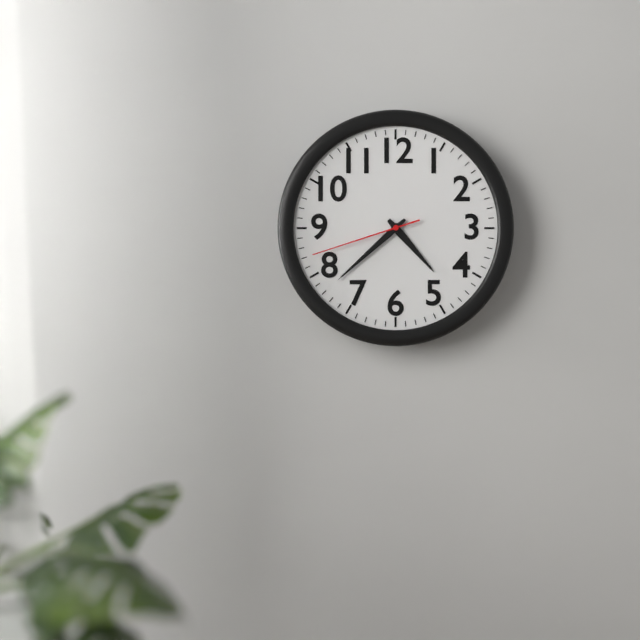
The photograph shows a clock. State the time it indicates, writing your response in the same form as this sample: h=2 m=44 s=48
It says h=4 m=38 s=42
